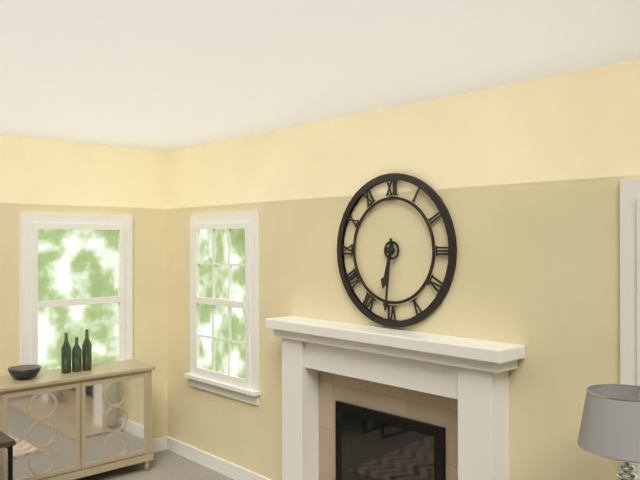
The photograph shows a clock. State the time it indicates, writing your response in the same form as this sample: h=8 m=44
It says h=6 m=31
